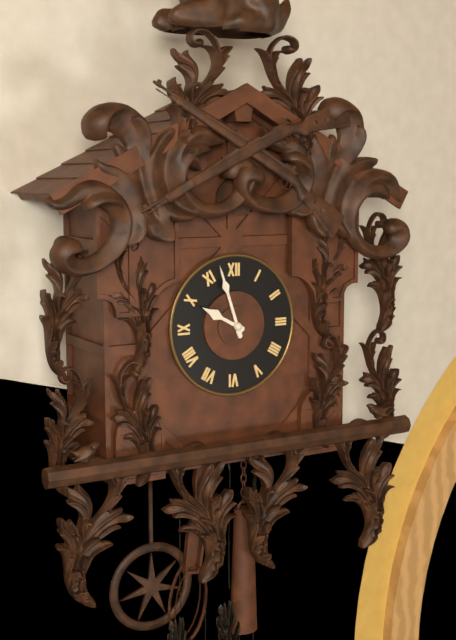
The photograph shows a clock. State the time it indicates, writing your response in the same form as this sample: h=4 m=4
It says h=9 m=57
